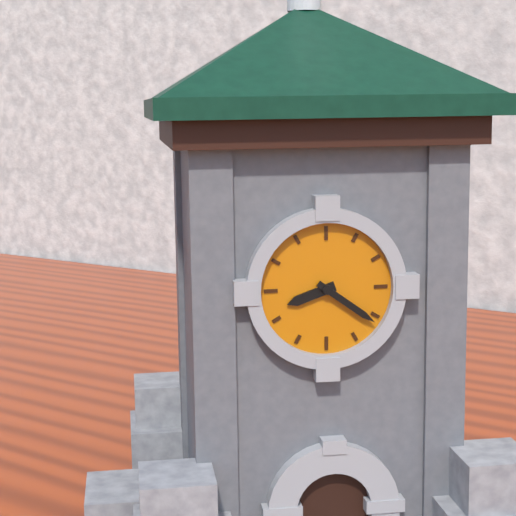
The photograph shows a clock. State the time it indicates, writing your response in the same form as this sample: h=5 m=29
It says h=8 m=21
